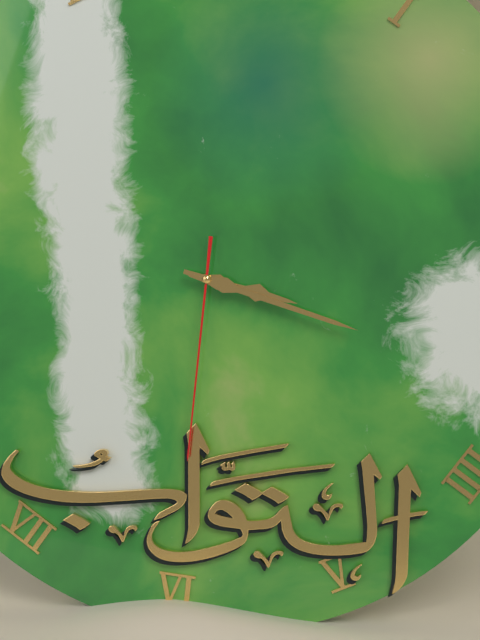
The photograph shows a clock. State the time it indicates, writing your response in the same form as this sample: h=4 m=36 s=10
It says h=3 m=17 s=30
